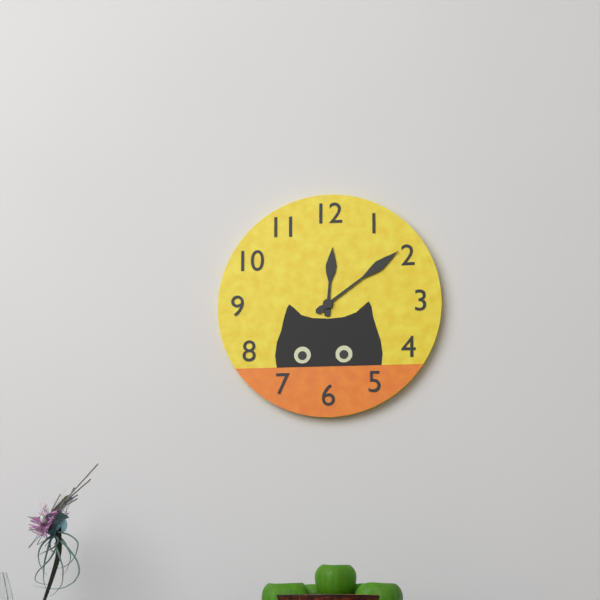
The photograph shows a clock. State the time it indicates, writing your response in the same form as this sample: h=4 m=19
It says h=12 m=9
